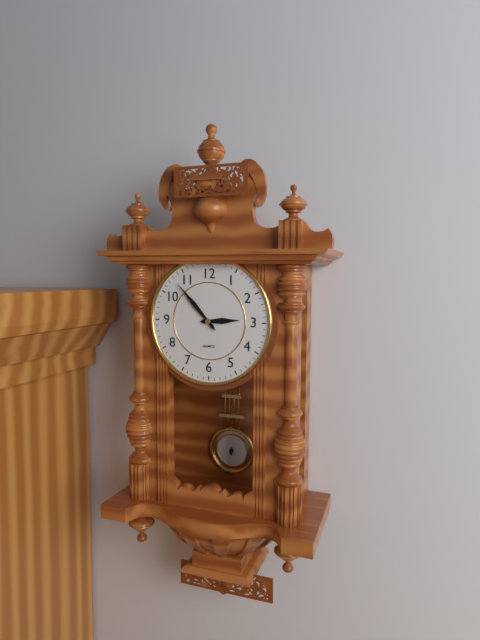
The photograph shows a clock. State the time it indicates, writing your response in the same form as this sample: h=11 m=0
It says h=2 m=53
